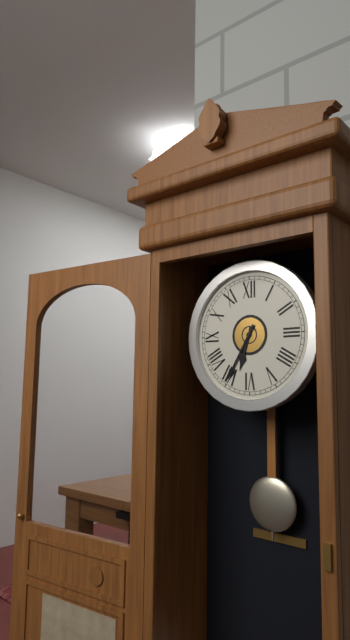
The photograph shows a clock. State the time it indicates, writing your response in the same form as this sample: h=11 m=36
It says h=6 m=35
